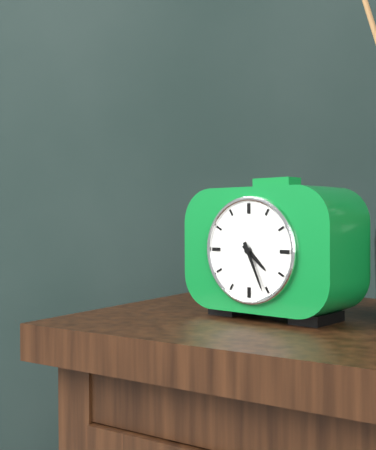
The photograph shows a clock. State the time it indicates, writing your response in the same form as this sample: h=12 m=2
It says h=4 m=26
